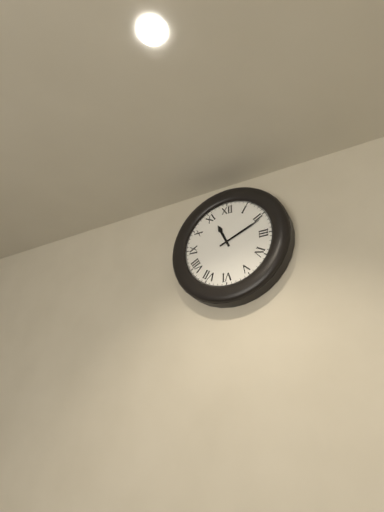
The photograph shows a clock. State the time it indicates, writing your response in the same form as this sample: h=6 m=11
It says h=11 m=11
